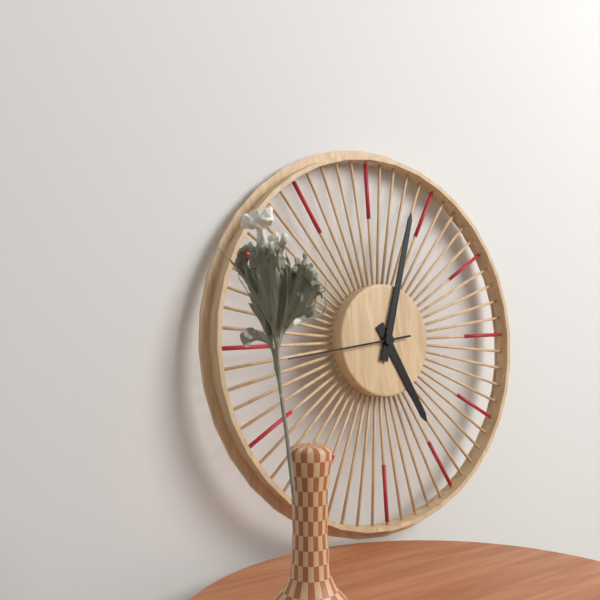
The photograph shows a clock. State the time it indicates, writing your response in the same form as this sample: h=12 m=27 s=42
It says h=5 m=3 s=44
